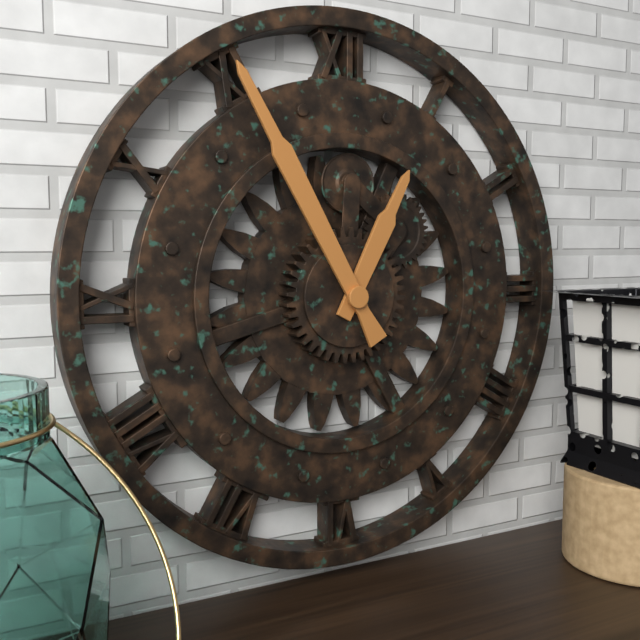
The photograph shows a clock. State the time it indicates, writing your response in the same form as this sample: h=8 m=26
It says h=12 m=55
